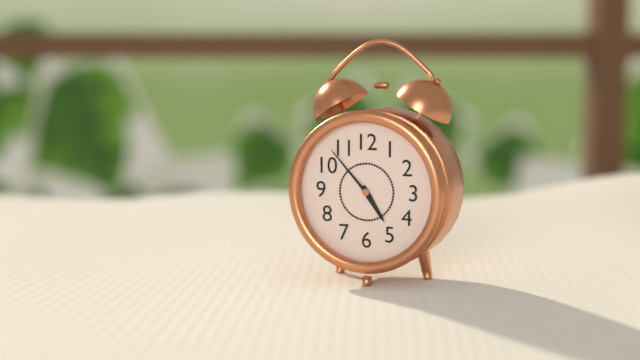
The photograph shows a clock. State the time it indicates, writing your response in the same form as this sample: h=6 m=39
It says h=4 m=53
